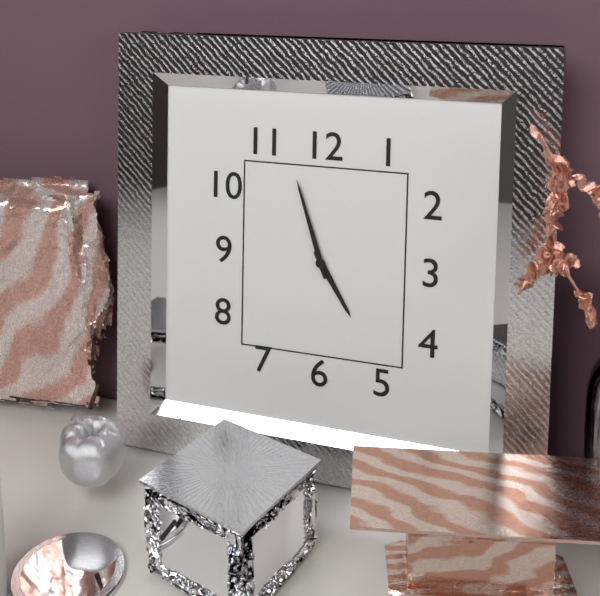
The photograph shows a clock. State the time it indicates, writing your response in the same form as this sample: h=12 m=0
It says h=4 m=57
